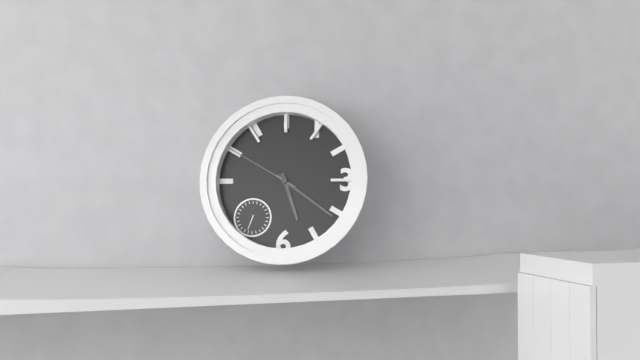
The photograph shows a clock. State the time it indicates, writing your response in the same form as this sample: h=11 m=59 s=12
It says h=5 m=21 s=50
